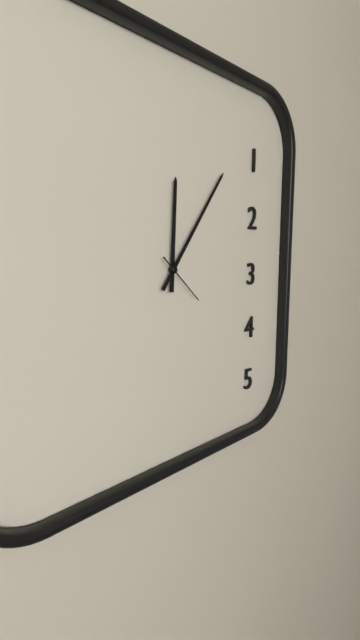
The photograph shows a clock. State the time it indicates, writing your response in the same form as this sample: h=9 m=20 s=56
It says h=12 m=6 s=22
